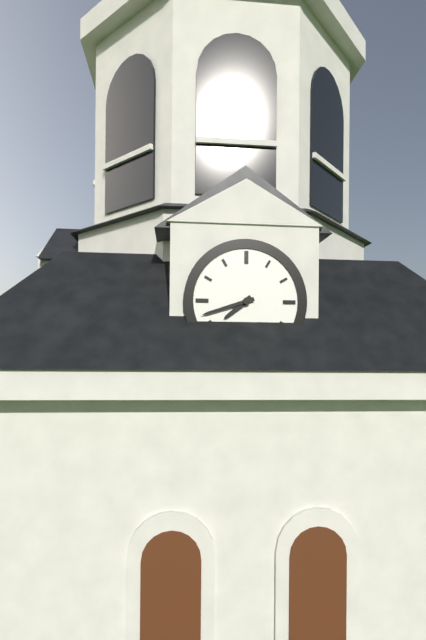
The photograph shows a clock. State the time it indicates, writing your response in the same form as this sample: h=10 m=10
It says h=7 m=42
